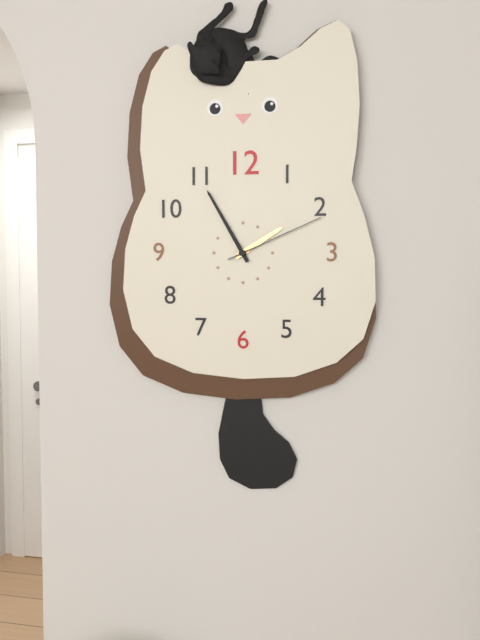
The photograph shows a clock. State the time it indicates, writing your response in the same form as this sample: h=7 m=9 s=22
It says h=1 m=55 s=11
